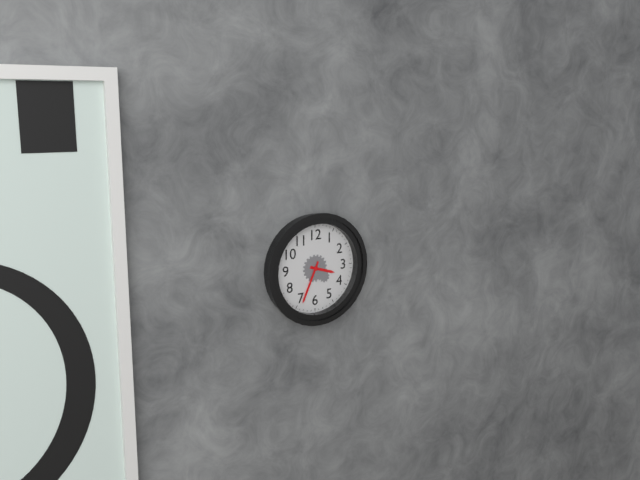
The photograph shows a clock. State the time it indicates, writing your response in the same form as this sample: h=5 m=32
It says h=3 m=34
